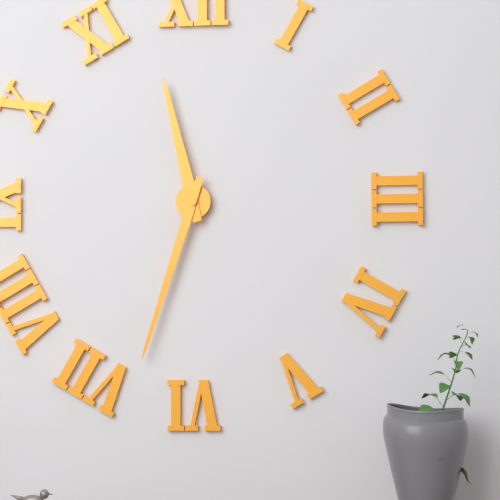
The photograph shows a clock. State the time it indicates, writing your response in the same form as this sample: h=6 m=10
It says h=11 m=33
